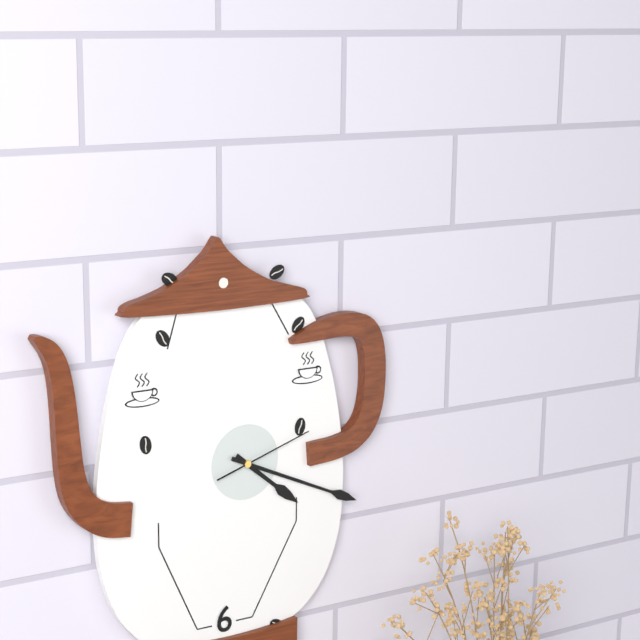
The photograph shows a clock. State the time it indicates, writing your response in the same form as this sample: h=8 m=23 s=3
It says h=4 m=19 s=12
